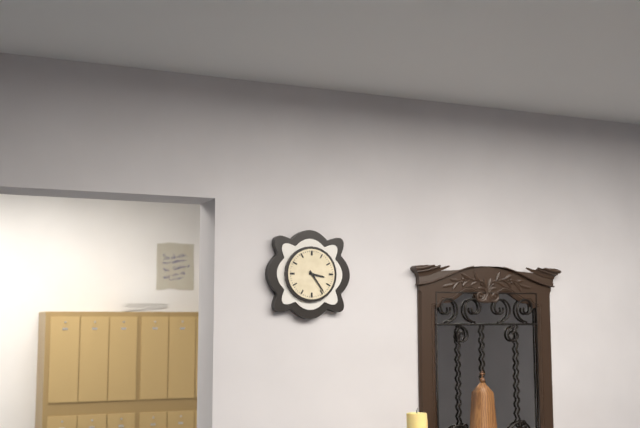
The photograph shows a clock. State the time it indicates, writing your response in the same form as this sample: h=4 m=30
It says h=3 m=24
